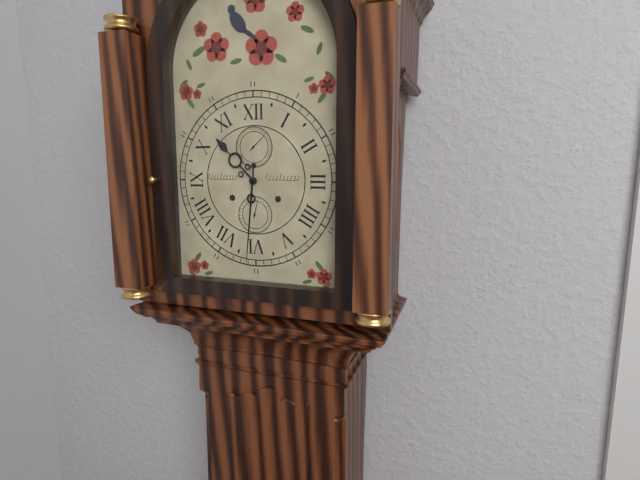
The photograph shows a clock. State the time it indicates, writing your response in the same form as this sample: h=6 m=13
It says h=10 m=31
